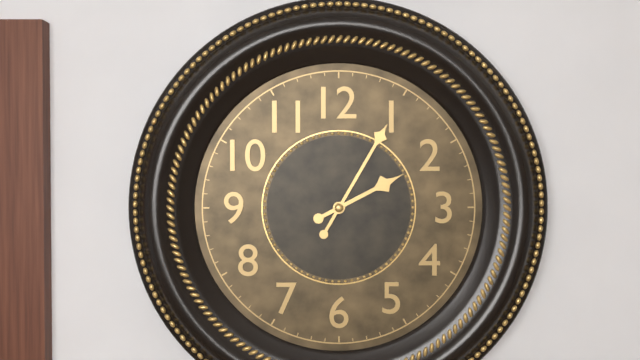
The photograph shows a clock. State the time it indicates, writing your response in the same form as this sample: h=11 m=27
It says h=2 m=5
